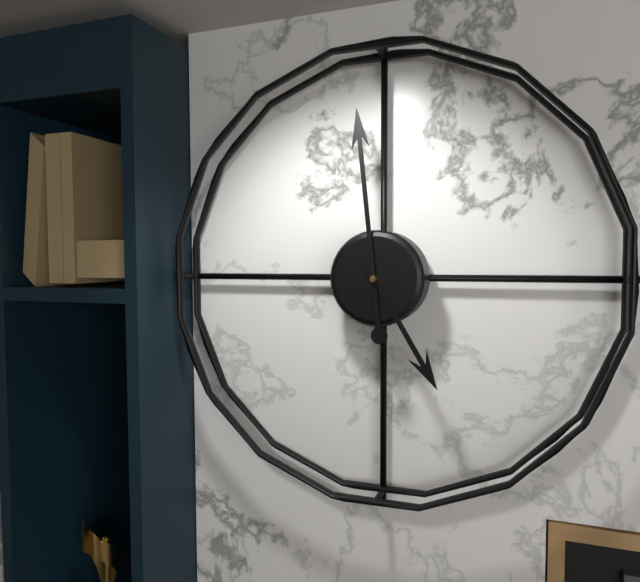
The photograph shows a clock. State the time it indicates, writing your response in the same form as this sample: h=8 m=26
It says h=4 m=59
